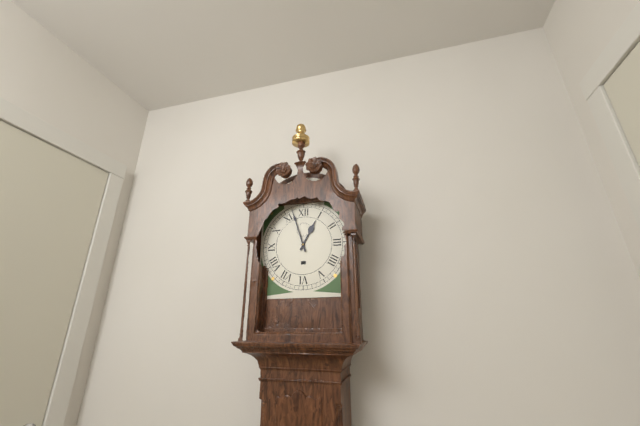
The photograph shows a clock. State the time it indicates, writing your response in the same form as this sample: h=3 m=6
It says h=12 m=57
